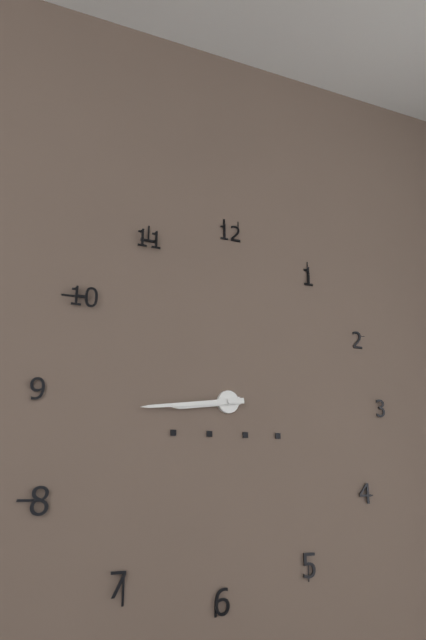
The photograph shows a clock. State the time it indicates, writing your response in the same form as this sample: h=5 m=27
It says h=8 m=44
